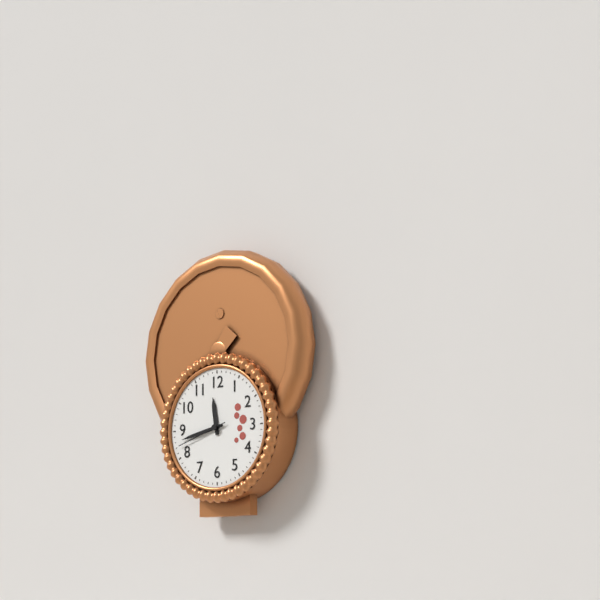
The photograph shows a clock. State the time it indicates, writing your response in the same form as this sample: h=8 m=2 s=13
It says h=11 m=43 s=42
